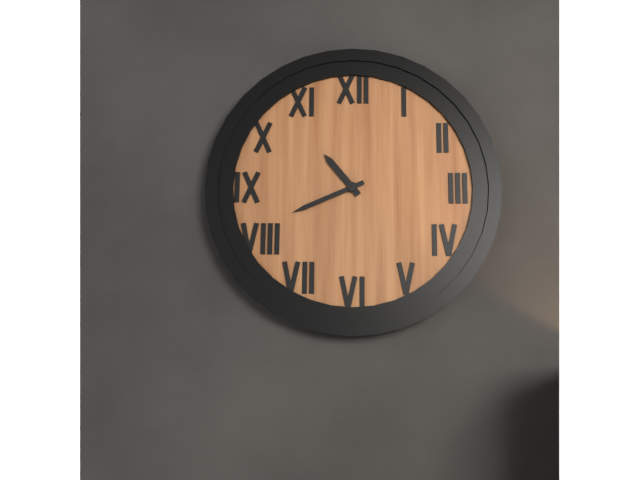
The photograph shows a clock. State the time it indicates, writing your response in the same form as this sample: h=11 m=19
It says h=10 m=41
